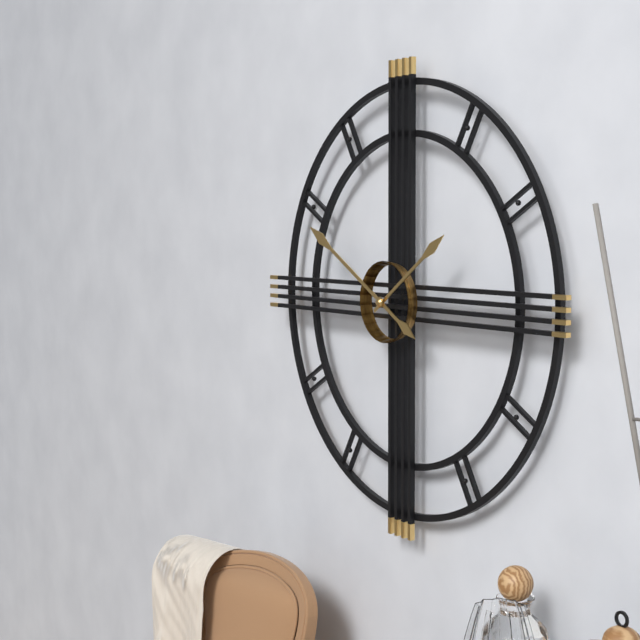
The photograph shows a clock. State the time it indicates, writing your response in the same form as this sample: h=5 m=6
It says h=1 m=50
